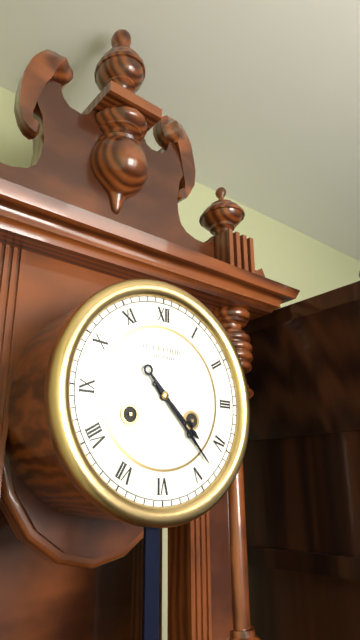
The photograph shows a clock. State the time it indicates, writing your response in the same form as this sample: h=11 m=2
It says h=4 m=23
